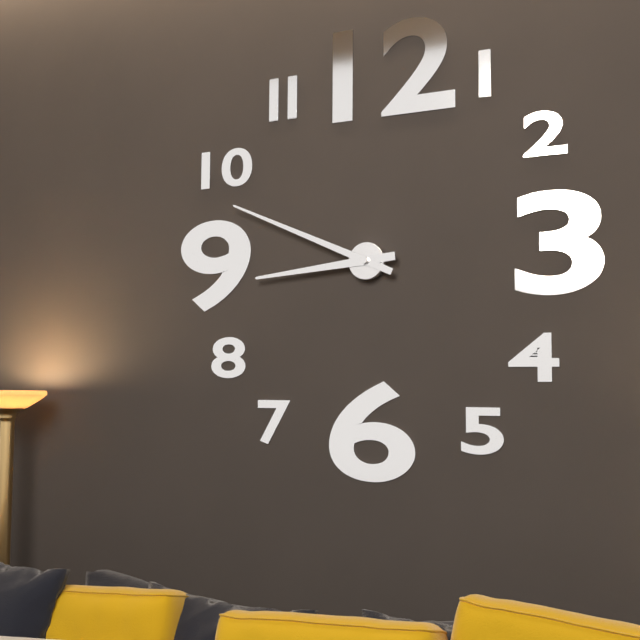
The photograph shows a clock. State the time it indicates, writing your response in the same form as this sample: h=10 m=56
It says h=8 m=49
